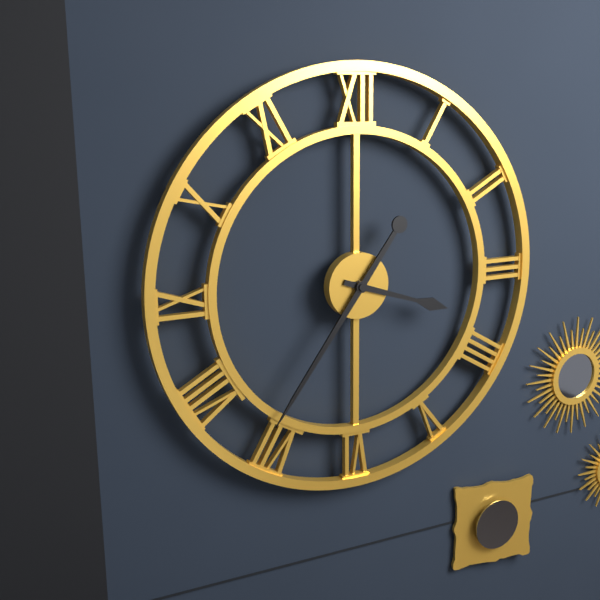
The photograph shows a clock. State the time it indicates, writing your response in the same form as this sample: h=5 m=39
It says h=3 m=36
